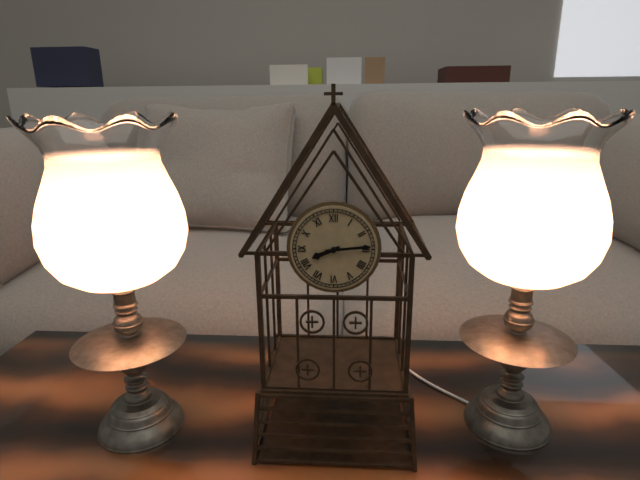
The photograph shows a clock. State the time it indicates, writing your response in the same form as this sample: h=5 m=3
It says h=8 m=14
